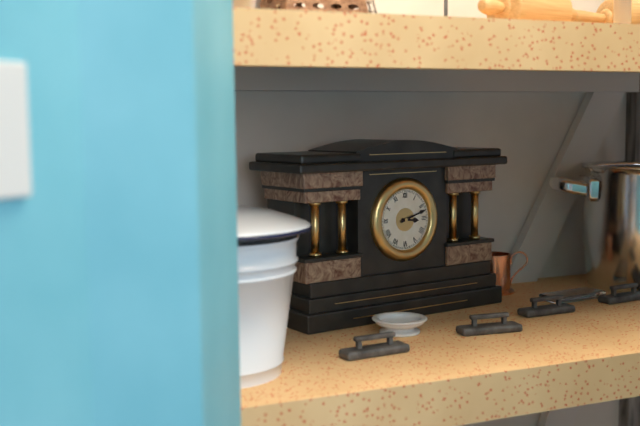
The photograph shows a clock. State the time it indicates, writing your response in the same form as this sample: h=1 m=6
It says h=3 m=12
